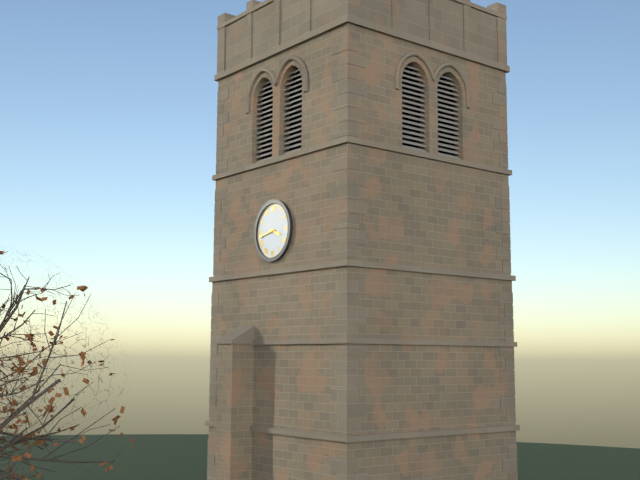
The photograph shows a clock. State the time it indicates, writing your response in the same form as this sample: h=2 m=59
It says h=3 m=43
